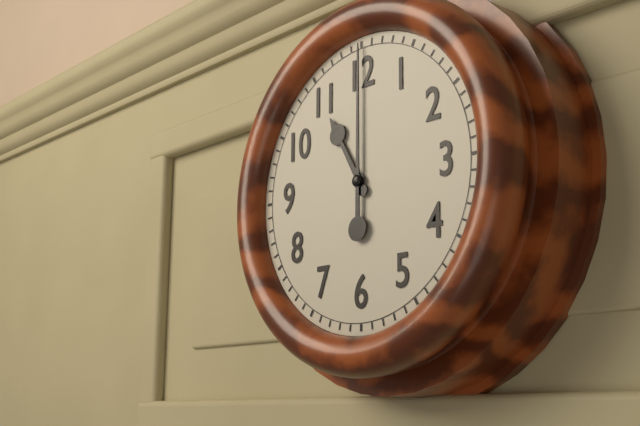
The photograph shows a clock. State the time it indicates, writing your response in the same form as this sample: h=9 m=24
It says h=11 m=0
